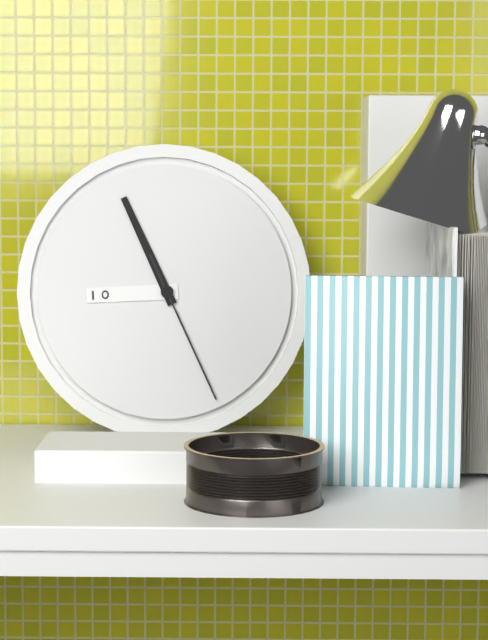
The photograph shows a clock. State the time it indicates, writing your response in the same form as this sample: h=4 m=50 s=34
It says h=8 m=56 s=26
